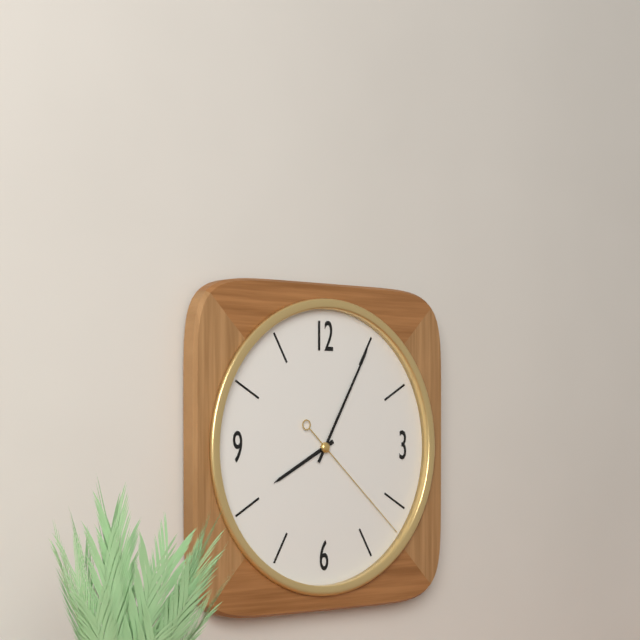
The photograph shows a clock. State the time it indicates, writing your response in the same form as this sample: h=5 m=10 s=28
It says h=8 m=5 s=22
